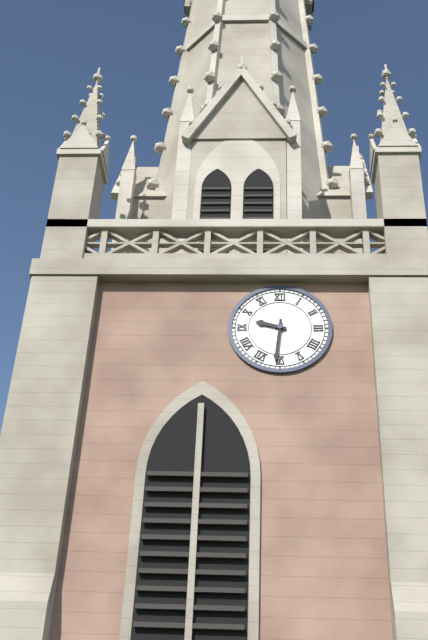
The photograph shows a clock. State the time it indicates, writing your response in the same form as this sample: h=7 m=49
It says h=9 m=31
